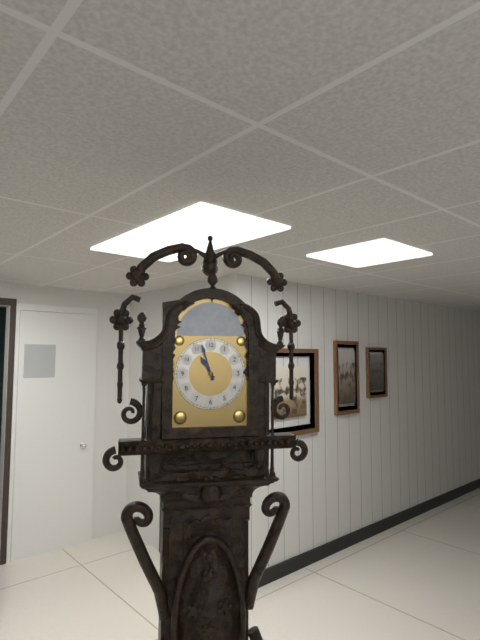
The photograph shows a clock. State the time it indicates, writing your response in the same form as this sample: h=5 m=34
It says h=10 m=57
